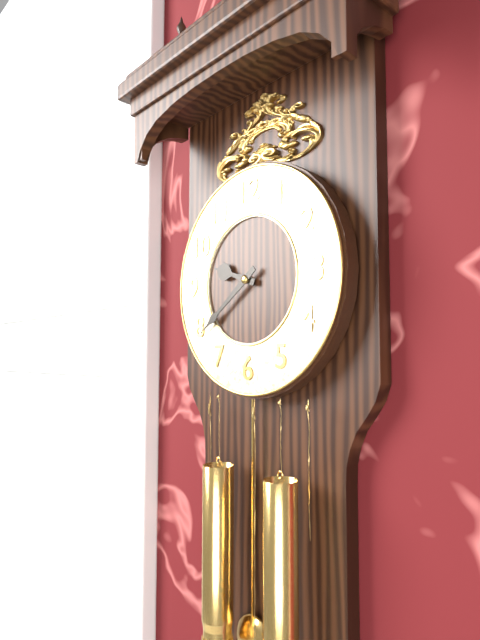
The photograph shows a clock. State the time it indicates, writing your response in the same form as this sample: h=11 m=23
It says h=9 m=39
